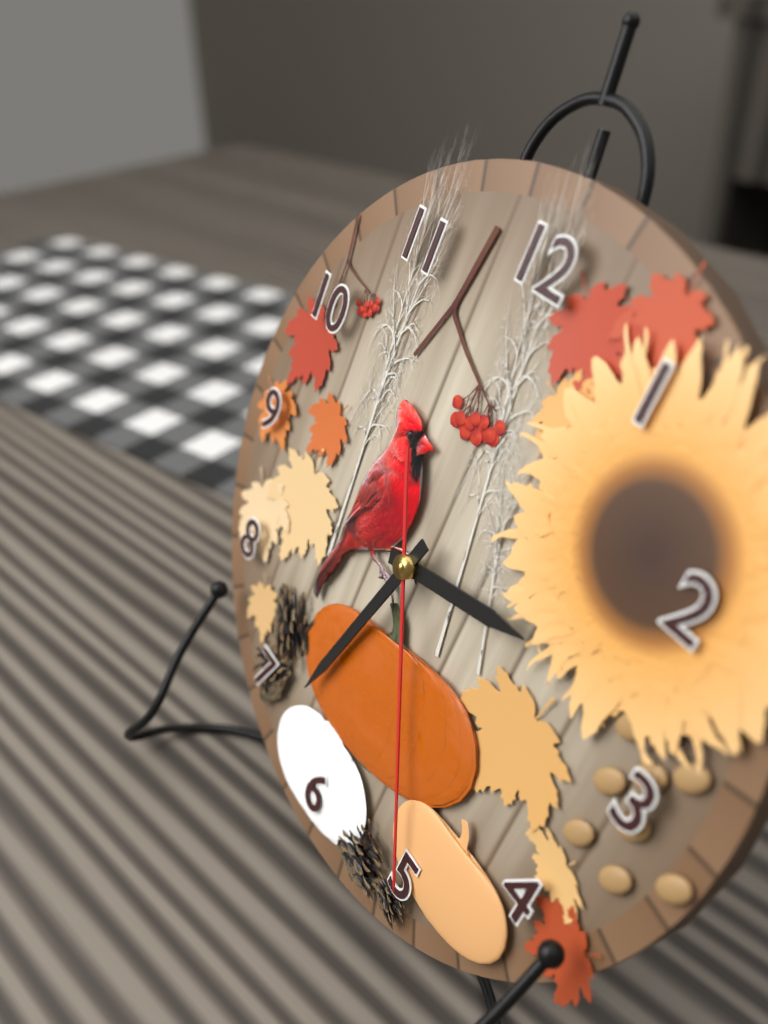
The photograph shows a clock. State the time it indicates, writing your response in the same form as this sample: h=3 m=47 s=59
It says h=2 m=33 s=25
